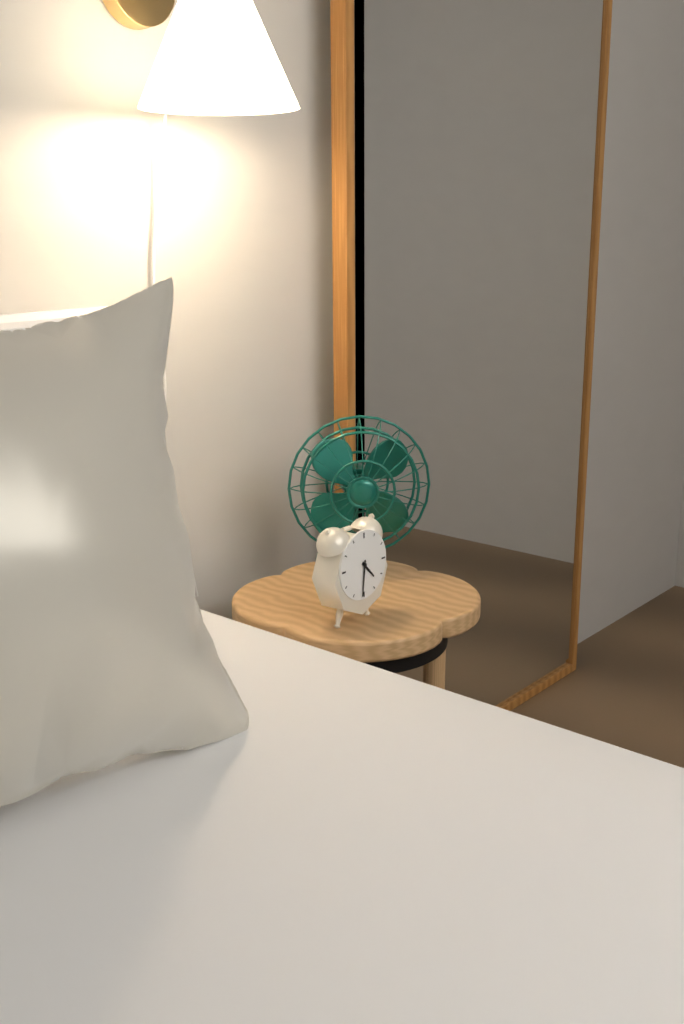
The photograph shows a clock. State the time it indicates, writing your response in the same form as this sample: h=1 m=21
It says h=4 m=31
